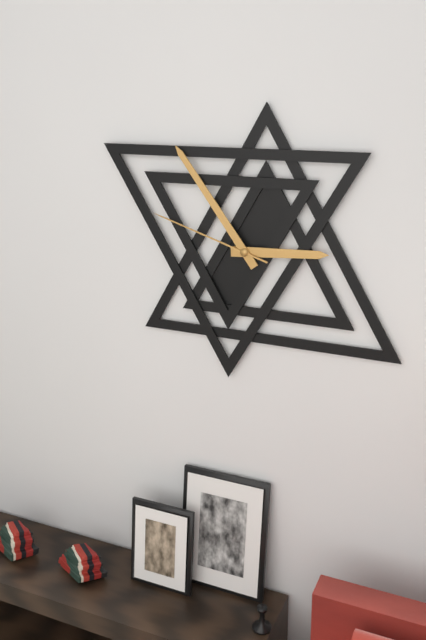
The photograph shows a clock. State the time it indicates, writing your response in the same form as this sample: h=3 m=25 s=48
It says h=2 m=54 s=48
